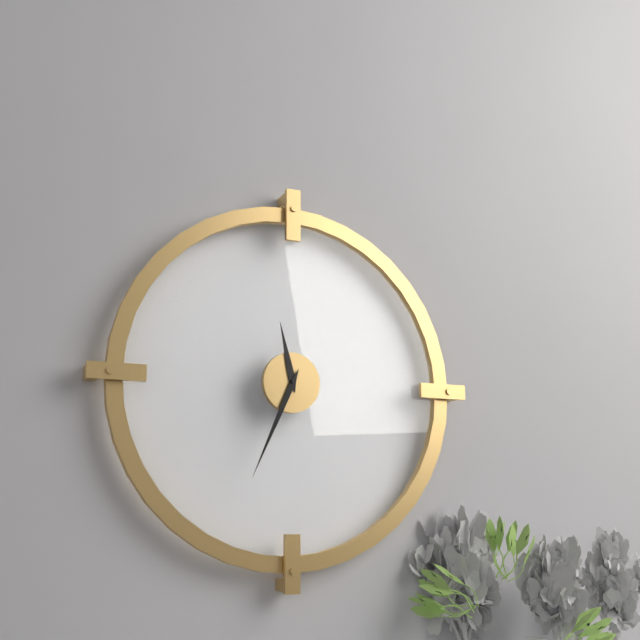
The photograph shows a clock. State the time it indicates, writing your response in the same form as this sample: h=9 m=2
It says h=11 m=34
